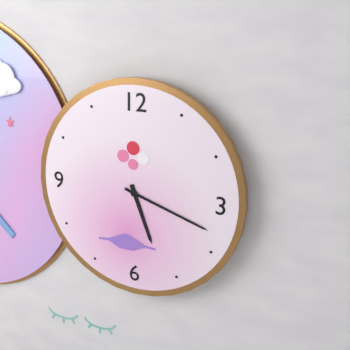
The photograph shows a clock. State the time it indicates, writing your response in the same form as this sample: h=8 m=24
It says h=5 m=18
